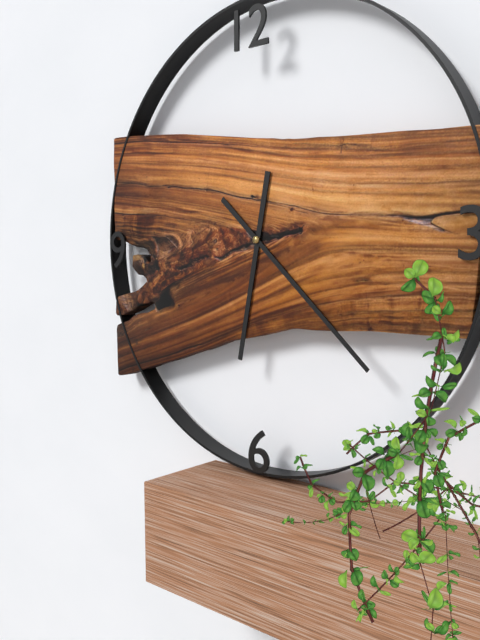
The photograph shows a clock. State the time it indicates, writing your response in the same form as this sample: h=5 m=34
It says h=6 m=22
